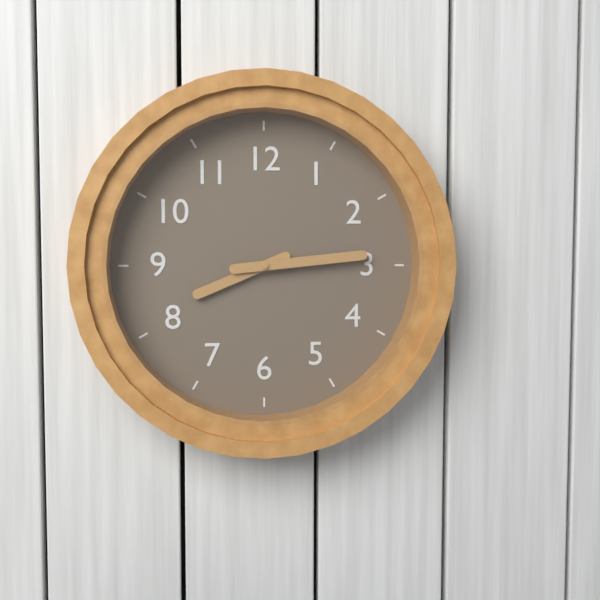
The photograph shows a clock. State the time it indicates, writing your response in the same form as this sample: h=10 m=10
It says h=8 m=14
